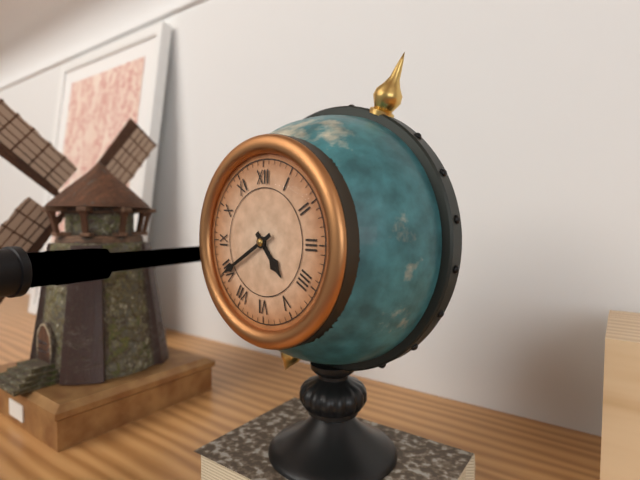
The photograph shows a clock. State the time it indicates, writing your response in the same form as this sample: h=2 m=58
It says h=4 m=40
